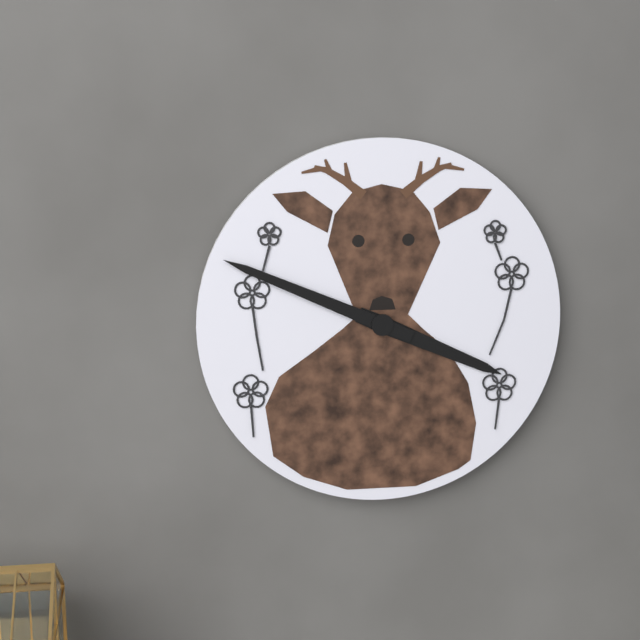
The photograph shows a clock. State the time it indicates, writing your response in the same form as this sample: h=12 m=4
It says h=3 m=49
